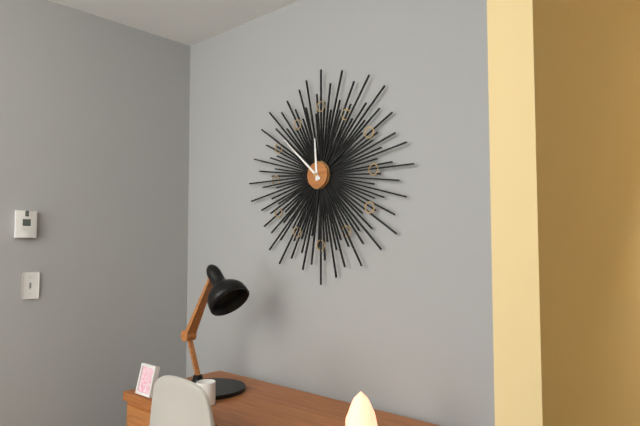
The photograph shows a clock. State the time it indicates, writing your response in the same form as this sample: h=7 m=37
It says h=11 m=52
